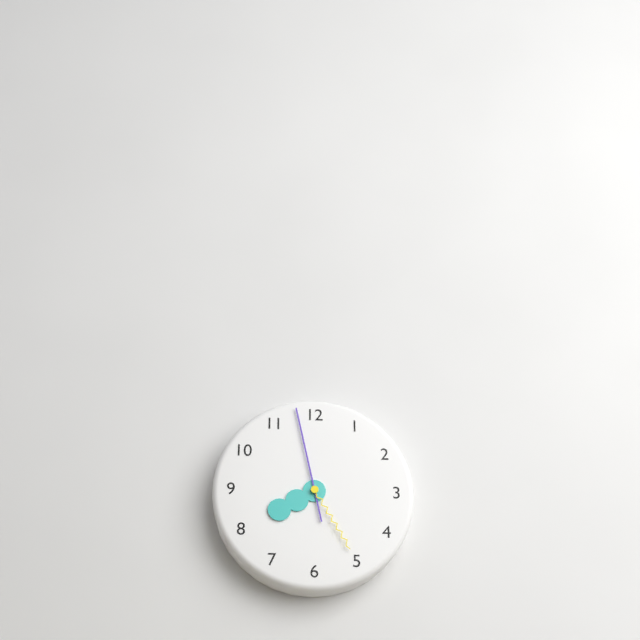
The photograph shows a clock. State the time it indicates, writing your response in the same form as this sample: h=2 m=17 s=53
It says h=7 m=58 s=25
